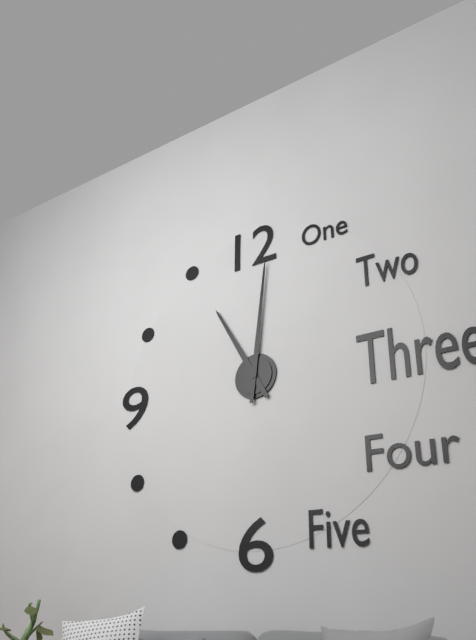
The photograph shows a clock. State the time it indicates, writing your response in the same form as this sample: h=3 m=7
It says h=11 m=1
